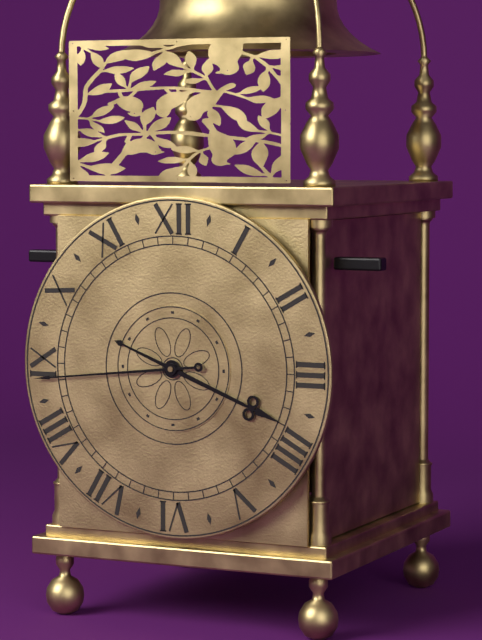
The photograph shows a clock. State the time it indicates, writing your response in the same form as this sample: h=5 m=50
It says h=3 m=44
